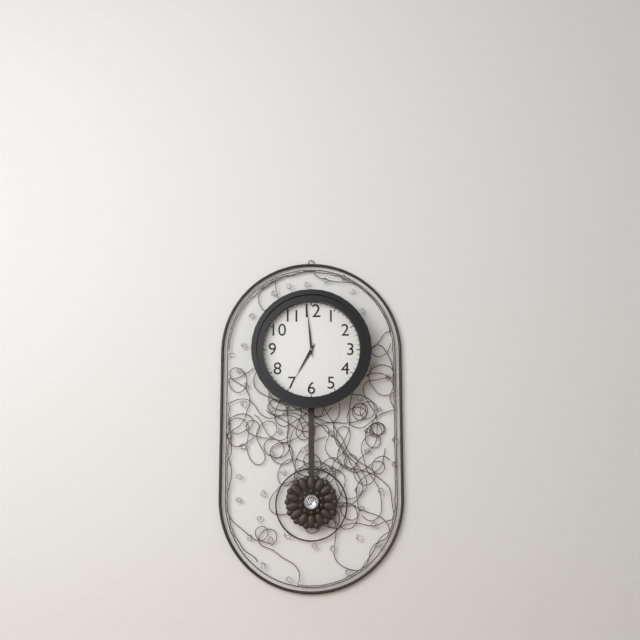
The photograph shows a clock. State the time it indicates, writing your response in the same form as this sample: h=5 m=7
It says h=6 m=59
